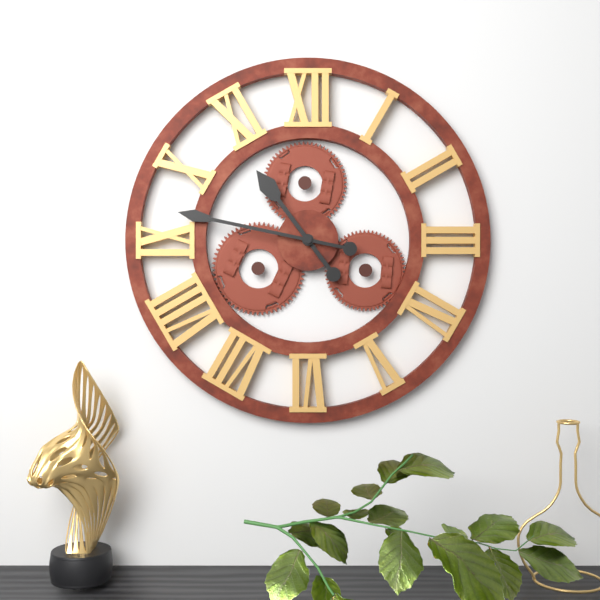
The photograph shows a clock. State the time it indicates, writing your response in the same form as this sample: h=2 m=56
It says h=10 m=47
